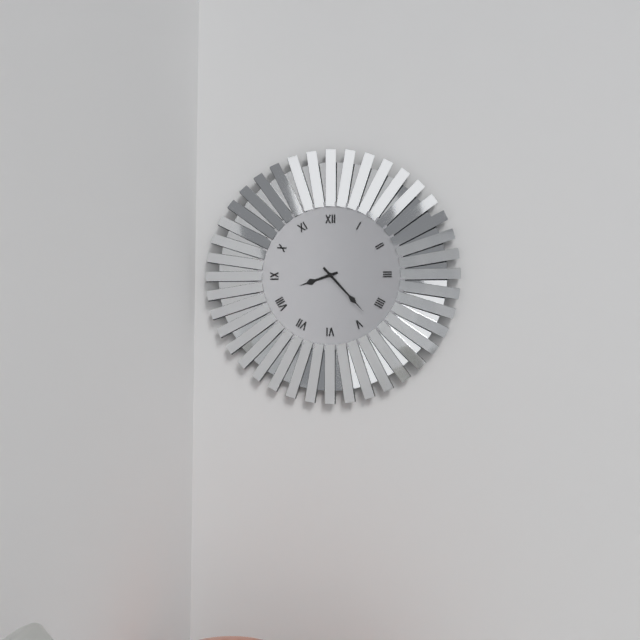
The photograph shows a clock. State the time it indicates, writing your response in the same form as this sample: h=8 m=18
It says h=8 m=23
